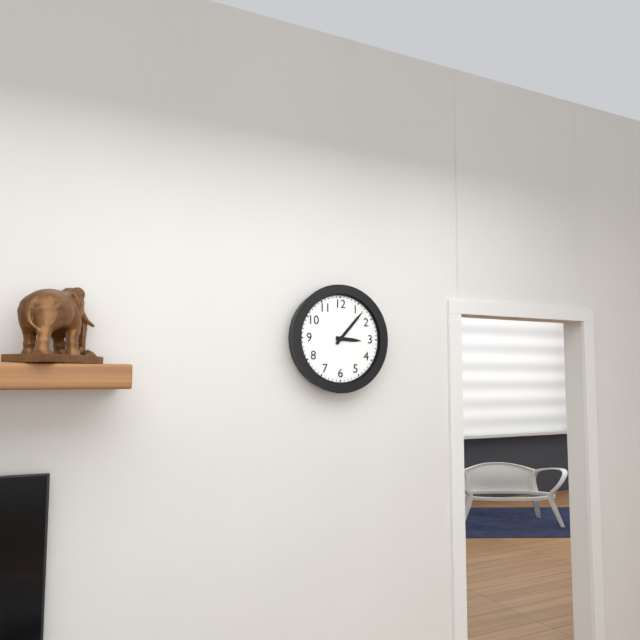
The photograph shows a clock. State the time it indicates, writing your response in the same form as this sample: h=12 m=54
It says h=3 m=7
